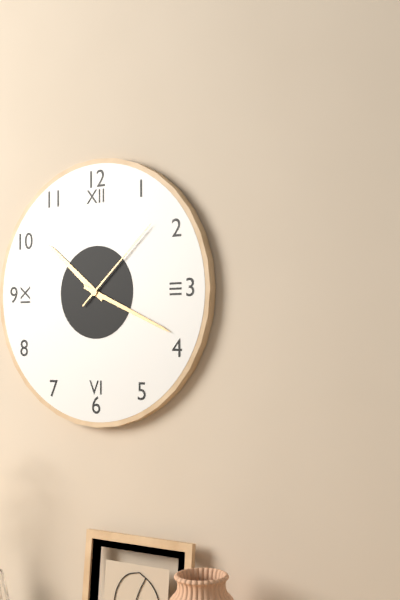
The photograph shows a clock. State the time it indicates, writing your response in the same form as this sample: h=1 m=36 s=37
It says h=10 m=19 s=8
